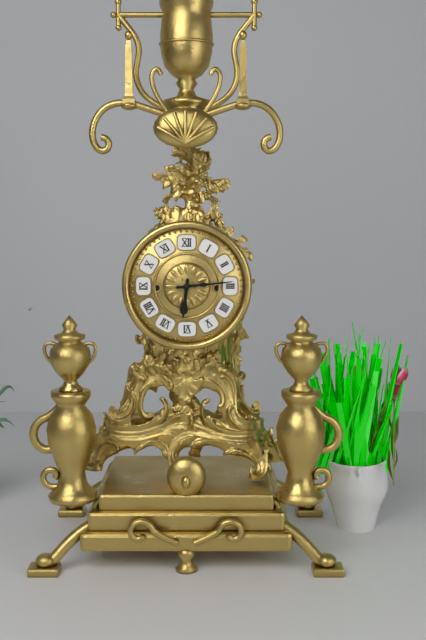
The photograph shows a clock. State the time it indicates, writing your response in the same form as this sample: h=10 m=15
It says h=6 m=14
